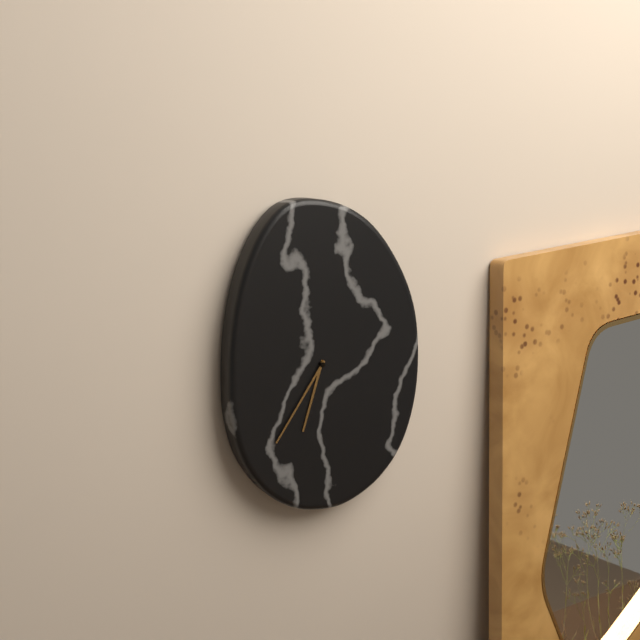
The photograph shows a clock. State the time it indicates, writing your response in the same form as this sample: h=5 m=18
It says h=6 m=36
